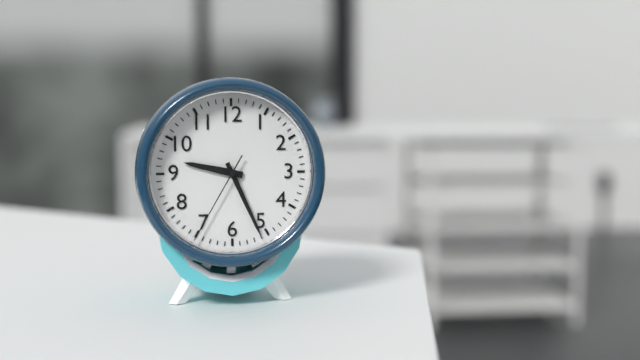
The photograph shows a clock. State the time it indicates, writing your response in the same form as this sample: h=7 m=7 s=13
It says h=9 m=26 s=35
